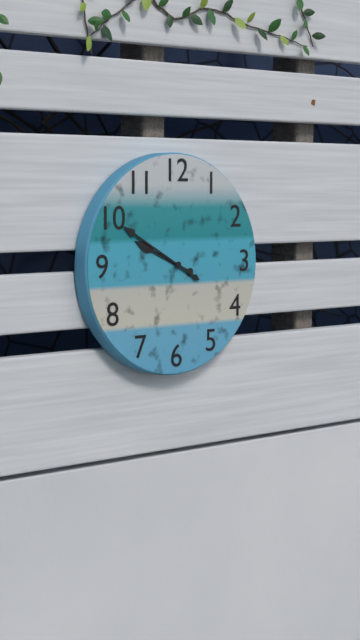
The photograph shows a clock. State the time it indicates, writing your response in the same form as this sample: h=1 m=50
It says h=9 m=50
